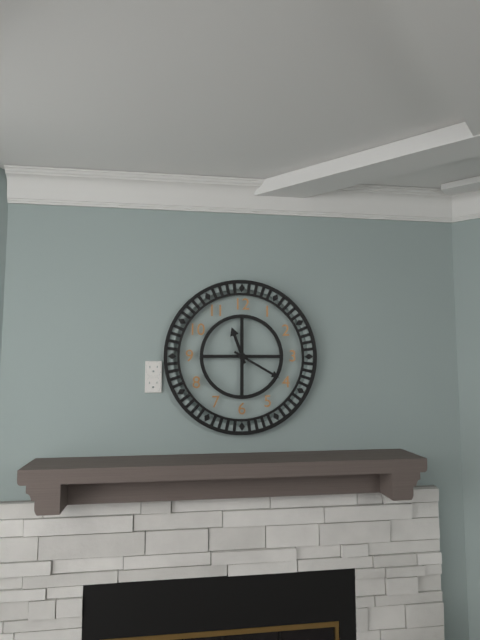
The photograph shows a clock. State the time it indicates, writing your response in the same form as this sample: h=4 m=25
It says h=11 m=20
